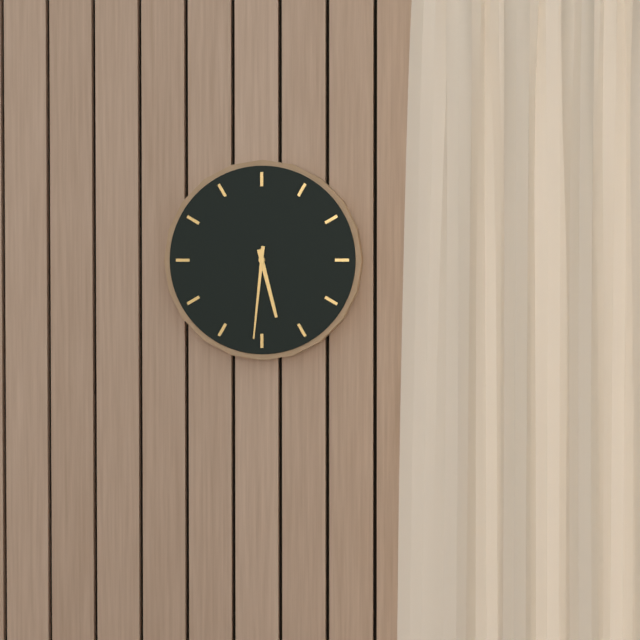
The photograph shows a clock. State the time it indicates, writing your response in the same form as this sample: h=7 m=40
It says h=5 m=31
